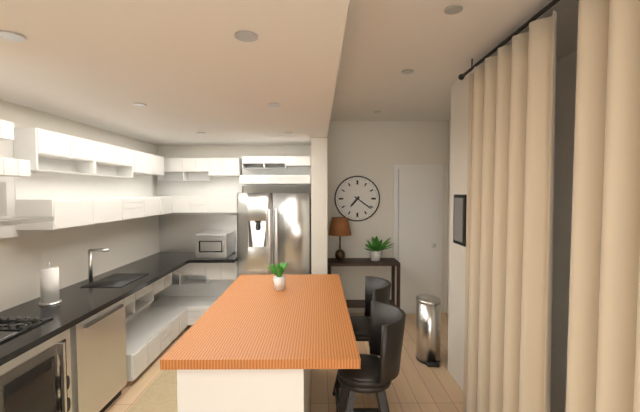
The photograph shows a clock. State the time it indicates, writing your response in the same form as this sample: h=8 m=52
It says h=7 m=21
